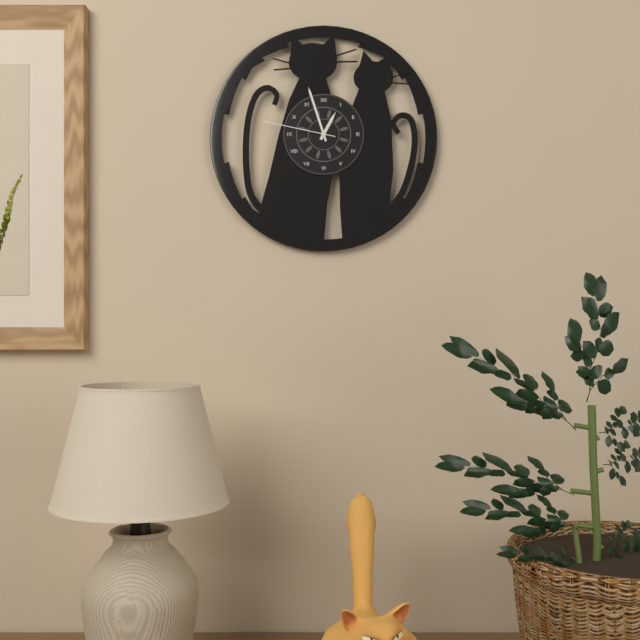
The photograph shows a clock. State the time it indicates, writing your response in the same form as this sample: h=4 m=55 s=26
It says h=12 m=57 s=47
